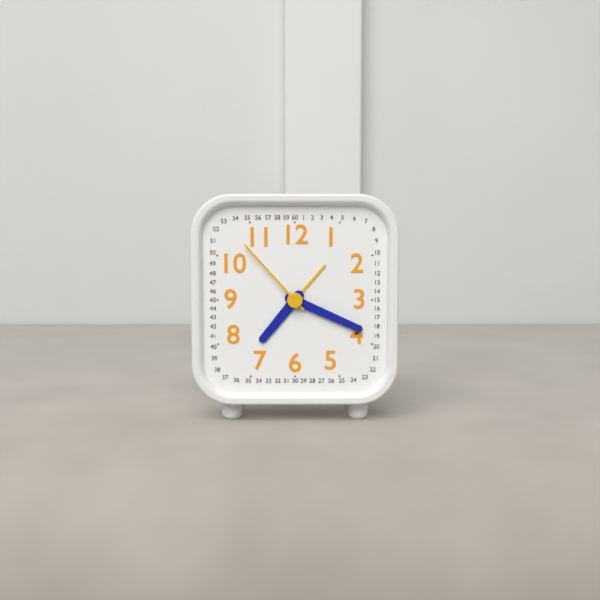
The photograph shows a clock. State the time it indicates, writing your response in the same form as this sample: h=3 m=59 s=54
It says h=7 m=19 s=53
